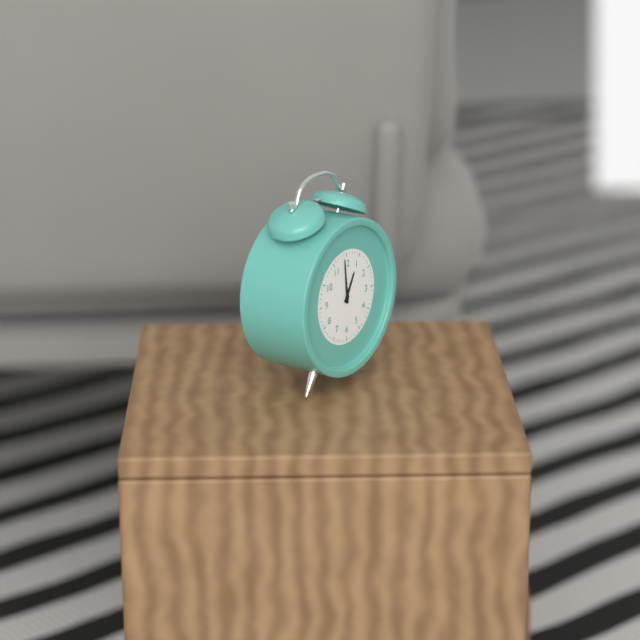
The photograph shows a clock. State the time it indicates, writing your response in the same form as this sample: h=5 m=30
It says h=12 m=59
